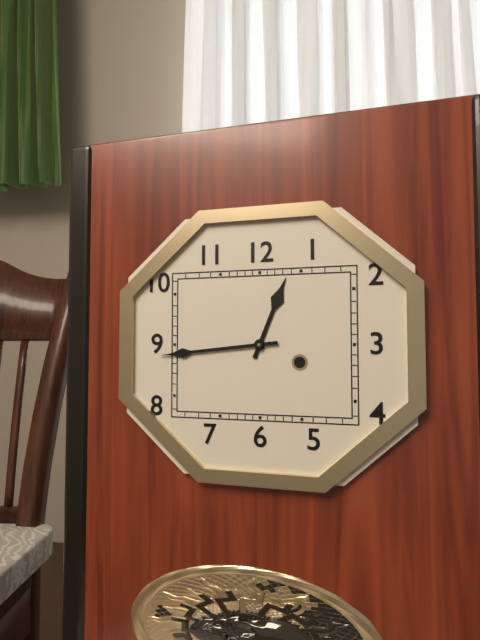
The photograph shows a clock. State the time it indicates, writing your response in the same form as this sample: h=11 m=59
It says h=12 m=44
